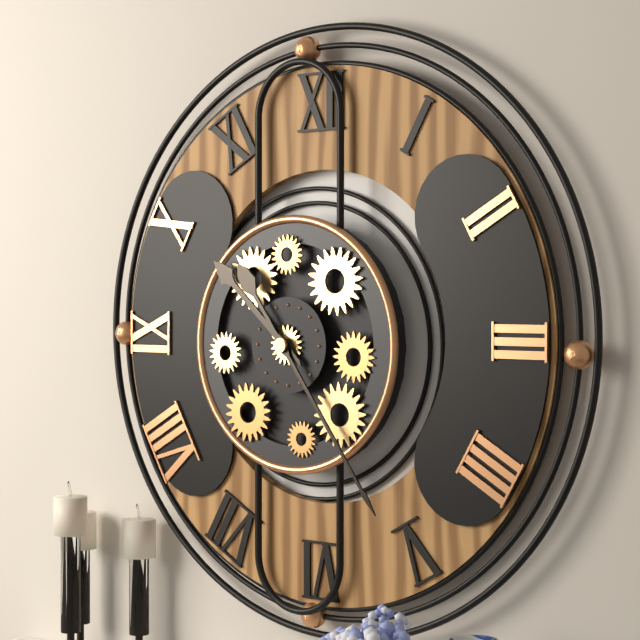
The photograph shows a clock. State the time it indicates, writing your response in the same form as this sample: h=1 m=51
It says h=10 m=24
